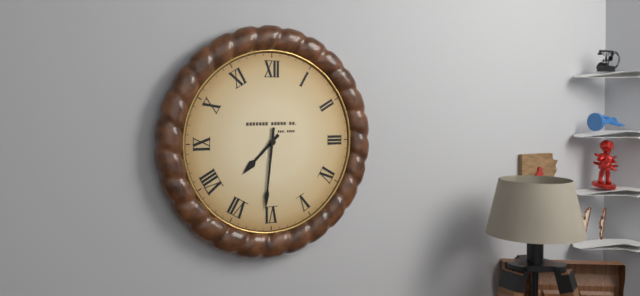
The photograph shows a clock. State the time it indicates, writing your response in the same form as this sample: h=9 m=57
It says h=7 m=31
